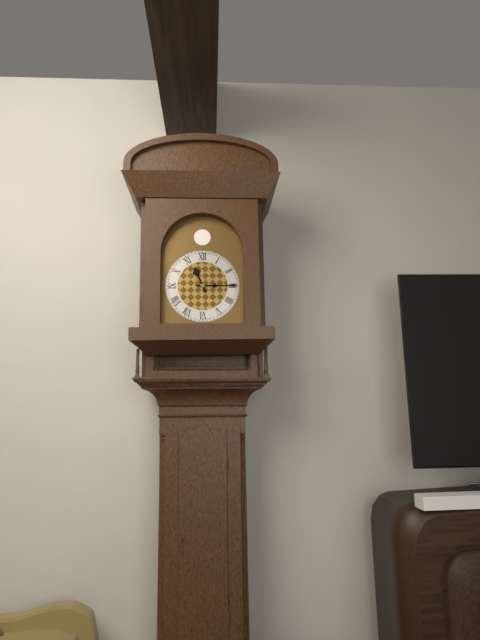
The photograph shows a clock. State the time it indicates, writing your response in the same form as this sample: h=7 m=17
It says h=11 m=15
